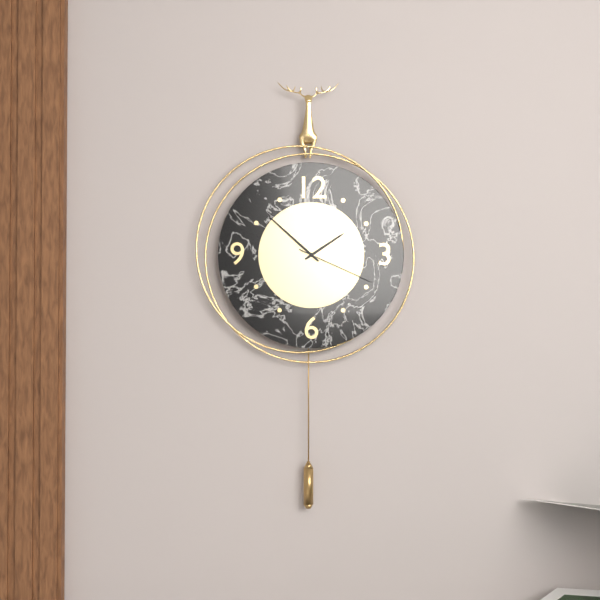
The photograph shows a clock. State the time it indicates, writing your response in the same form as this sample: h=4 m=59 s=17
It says h=1 m=52 s=19
